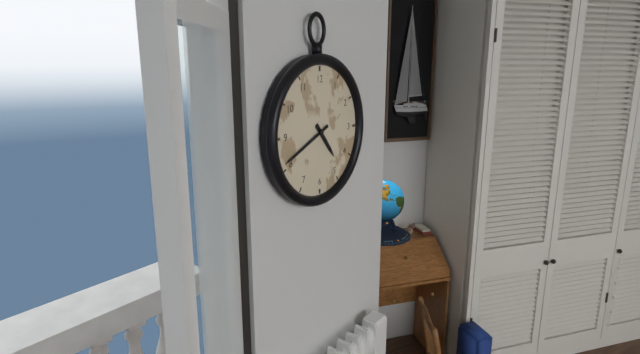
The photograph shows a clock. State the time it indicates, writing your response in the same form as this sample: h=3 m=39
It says h=4 m=41
